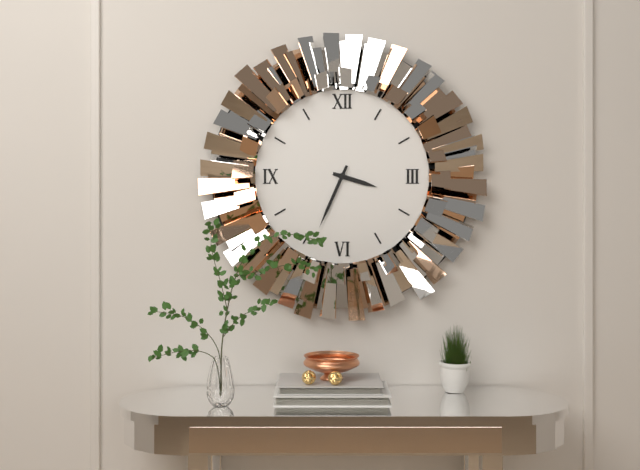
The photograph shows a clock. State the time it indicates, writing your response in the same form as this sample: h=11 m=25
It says h=3 m=34
